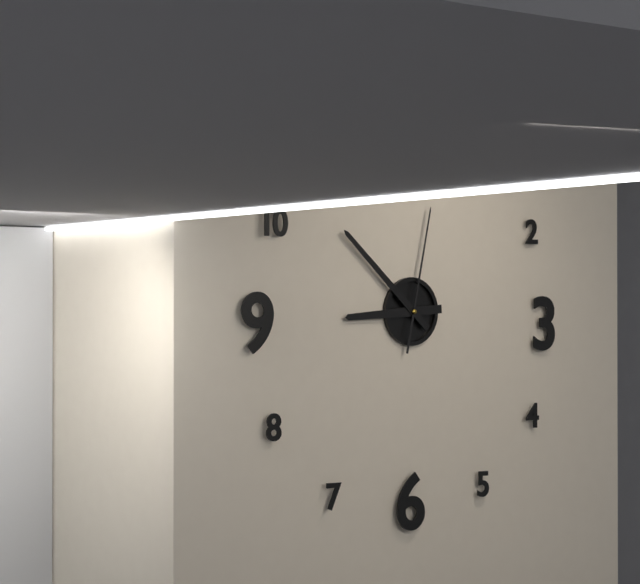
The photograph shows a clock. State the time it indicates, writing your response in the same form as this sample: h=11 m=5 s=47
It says h=8 m=52 s=2
